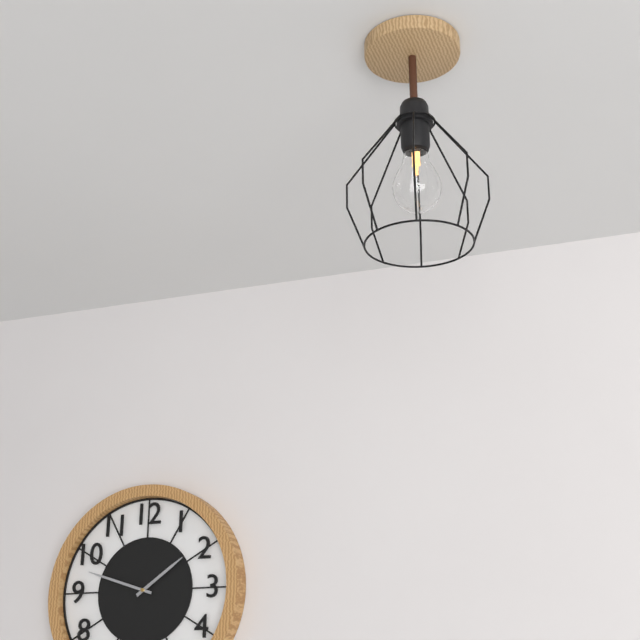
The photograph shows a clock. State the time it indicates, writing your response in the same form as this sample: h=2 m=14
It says h=1 m=48
